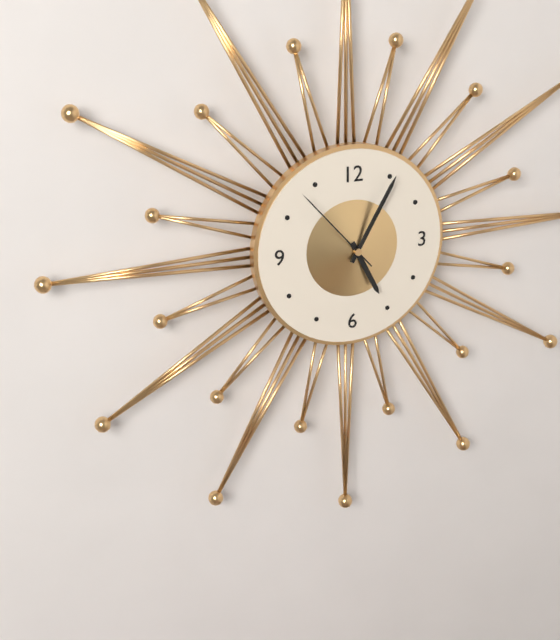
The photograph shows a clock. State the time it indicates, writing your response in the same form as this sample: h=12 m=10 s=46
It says h=5 m=5 s=53
